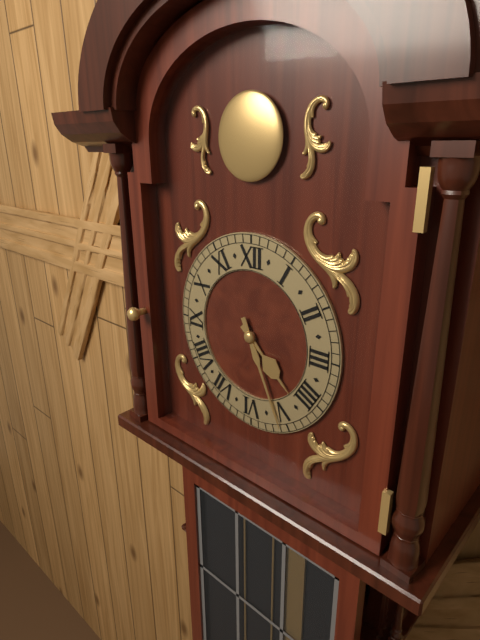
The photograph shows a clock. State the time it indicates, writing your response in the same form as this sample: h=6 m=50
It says h=4 m=26
